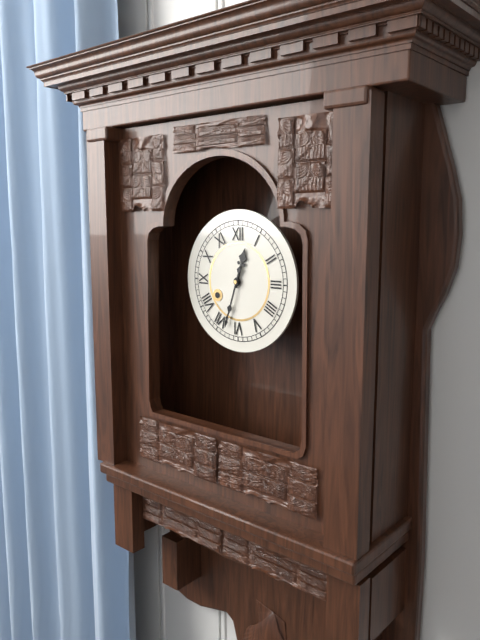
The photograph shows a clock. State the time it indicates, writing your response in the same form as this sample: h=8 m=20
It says h=12 m=33
